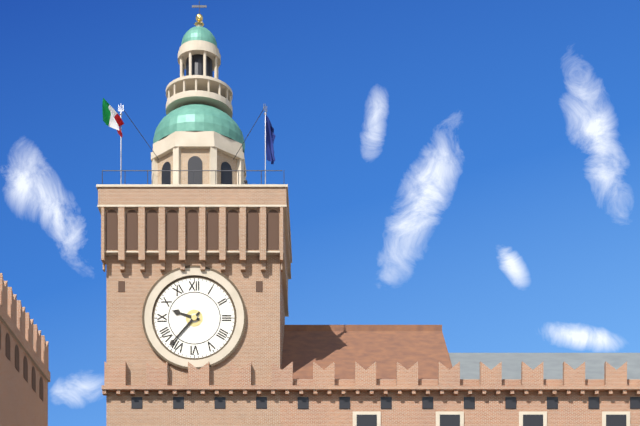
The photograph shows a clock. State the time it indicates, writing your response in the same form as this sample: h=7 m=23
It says h=9 m=37
